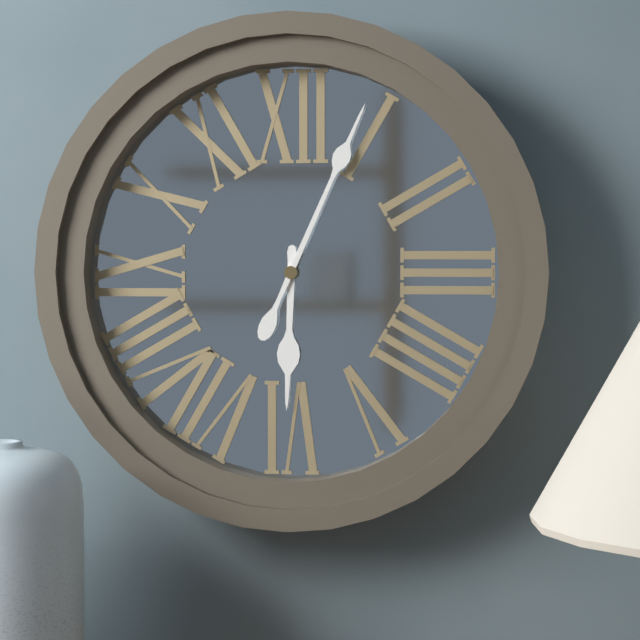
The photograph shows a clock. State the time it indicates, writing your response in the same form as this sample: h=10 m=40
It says h=6 m=4
